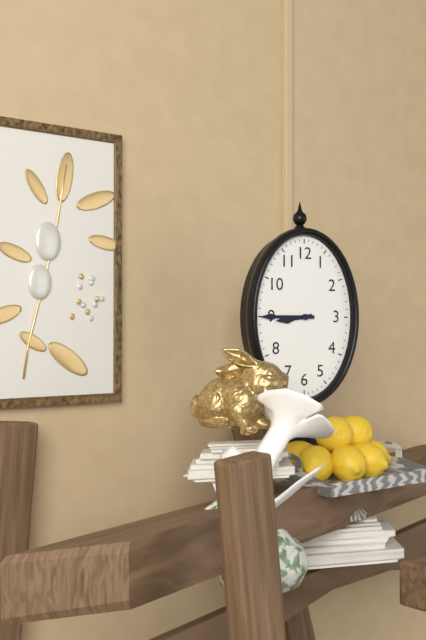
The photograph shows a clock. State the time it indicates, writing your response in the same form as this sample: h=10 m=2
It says h=8 m=45
